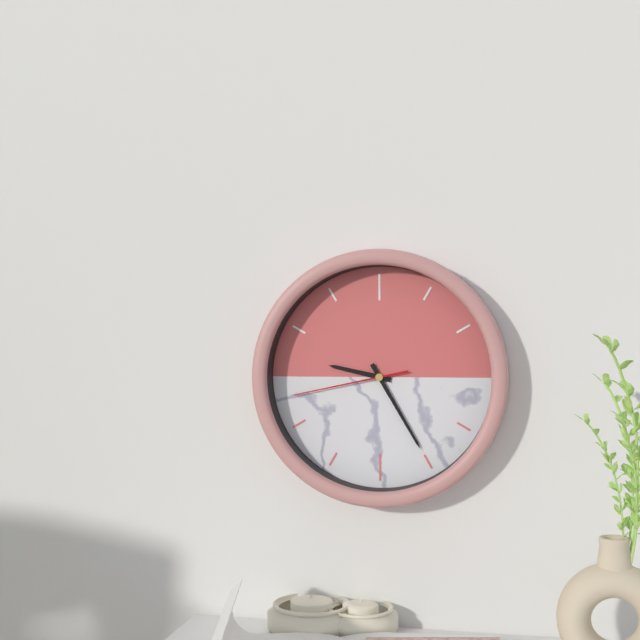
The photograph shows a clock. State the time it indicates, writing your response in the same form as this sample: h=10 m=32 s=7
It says h=9 m=25 s=43
